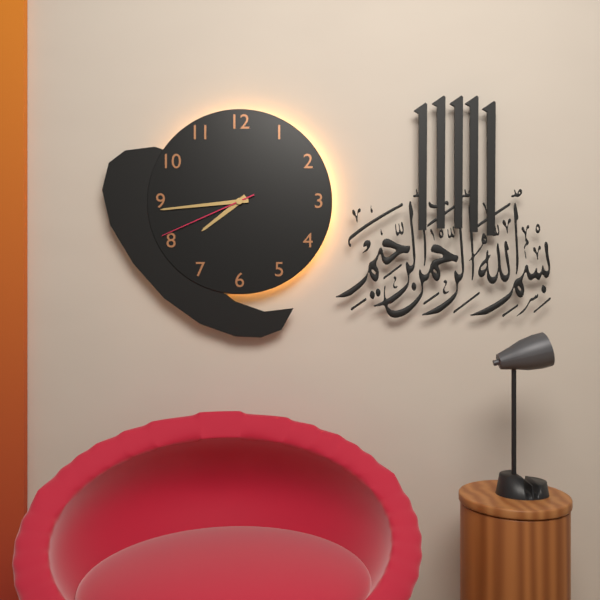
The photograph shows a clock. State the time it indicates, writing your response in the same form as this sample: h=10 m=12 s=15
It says h=7 m=44 s=41
